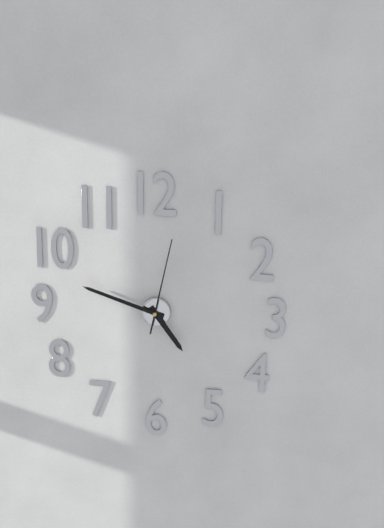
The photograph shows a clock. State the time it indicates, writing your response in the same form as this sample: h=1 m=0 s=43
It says h=4 m=48 s=2
